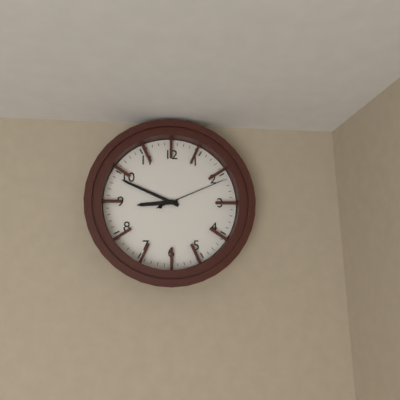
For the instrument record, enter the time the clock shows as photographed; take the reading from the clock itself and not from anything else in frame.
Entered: 8:49:11
